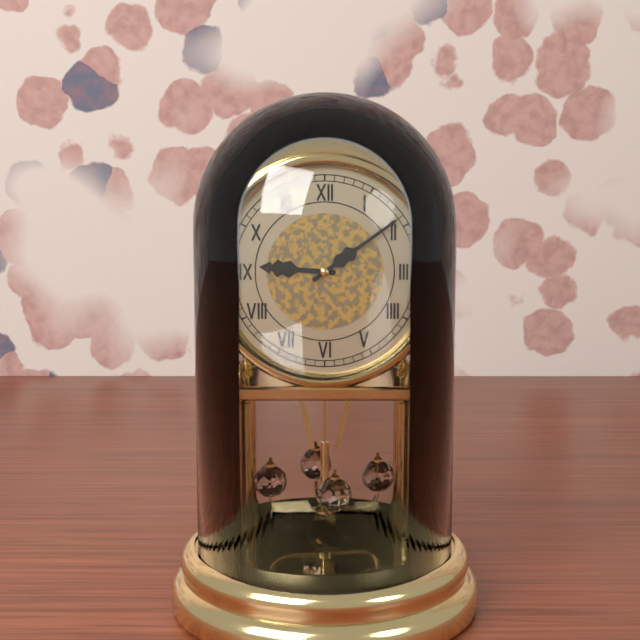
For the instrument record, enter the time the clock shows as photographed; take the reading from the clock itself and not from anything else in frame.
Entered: 9:09
